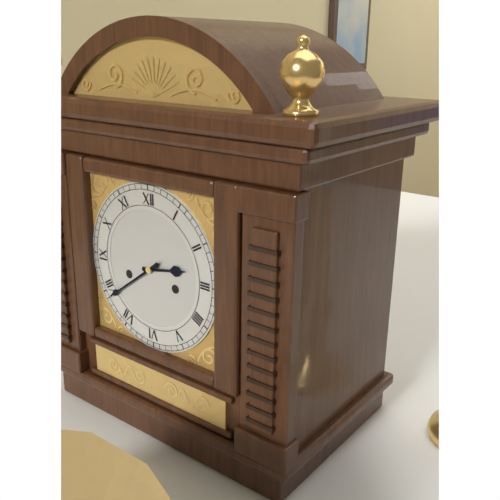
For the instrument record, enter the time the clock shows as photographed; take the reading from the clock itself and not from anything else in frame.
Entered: 2:39
